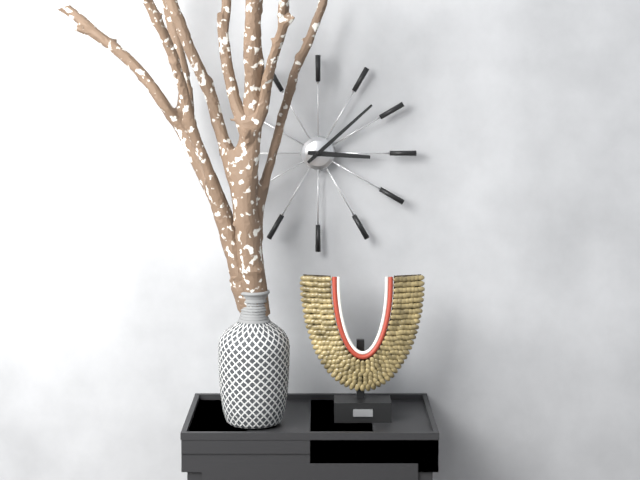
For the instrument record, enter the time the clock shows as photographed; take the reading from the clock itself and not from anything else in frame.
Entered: 3:08
